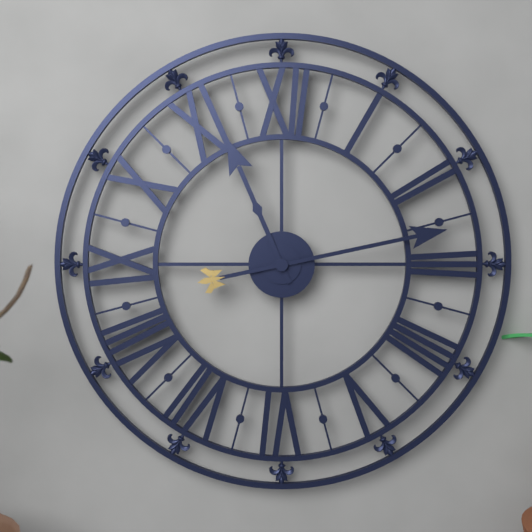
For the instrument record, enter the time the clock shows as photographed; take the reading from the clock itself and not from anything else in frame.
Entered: 11:13
